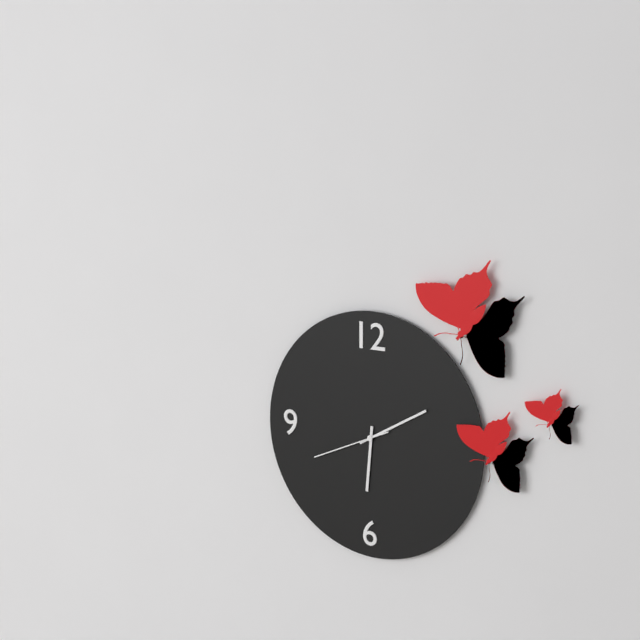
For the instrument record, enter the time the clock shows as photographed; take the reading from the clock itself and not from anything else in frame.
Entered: 6:10:41
